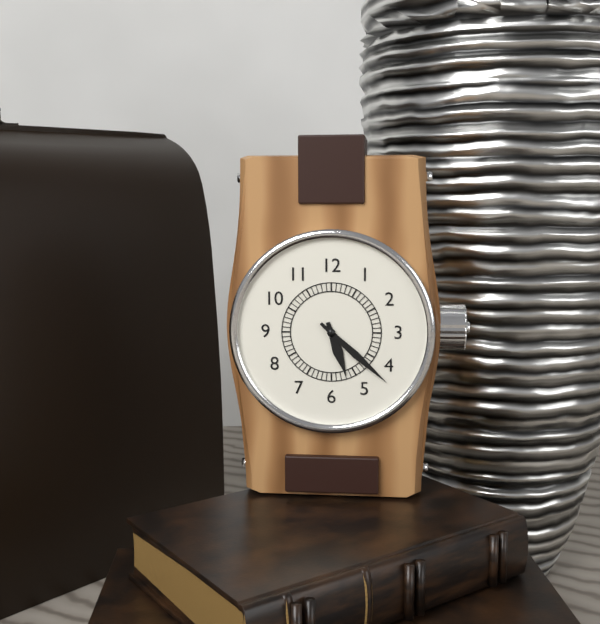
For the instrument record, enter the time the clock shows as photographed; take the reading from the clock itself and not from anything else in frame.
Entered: 5:22
